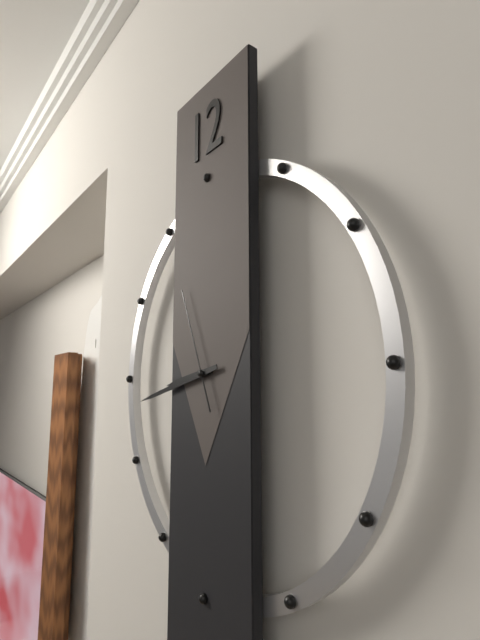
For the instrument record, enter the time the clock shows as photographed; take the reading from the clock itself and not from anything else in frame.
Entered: 8:43:56
